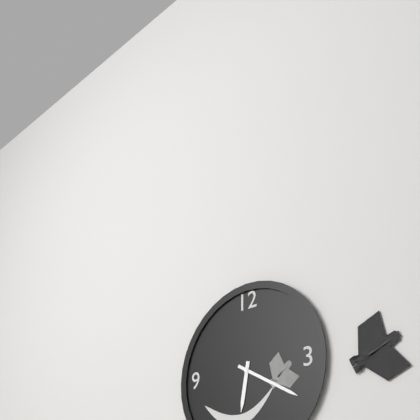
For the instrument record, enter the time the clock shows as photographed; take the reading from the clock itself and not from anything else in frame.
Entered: 6:20
